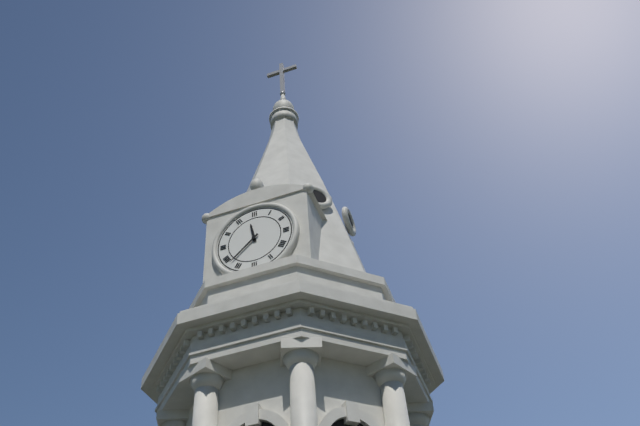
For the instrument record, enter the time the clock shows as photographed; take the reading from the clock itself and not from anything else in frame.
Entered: 11:38
